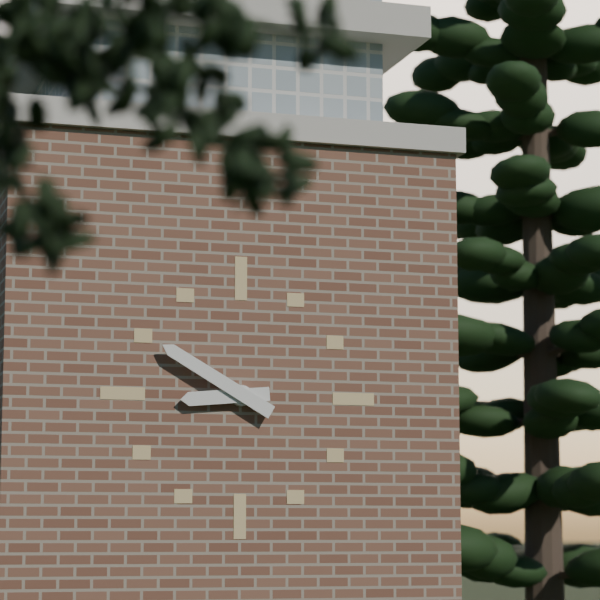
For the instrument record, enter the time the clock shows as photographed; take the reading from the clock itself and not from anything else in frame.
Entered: 8:50
